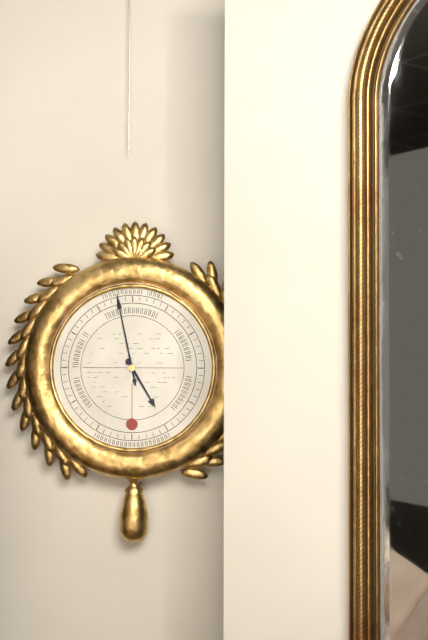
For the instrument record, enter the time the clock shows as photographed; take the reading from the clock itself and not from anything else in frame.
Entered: 4:58
